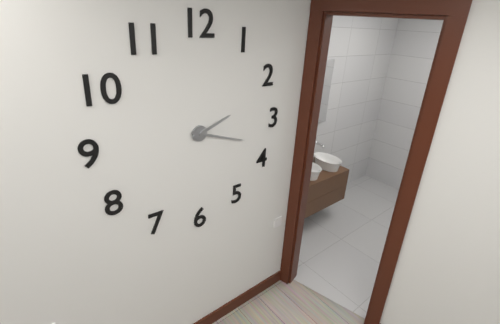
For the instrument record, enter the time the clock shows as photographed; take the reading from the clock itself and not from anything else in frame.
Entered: 2:18
